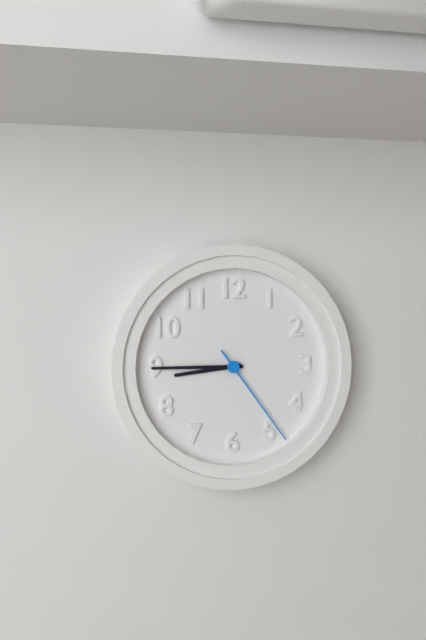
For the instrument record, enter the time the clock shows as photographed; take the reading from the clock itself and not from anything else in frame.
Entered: 8:45:24
